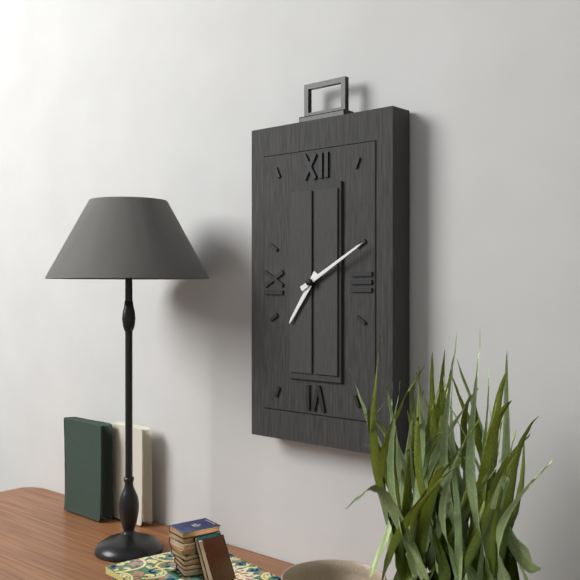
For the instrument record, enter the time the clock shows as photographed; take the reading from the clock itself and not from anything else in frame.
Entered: 7:10
